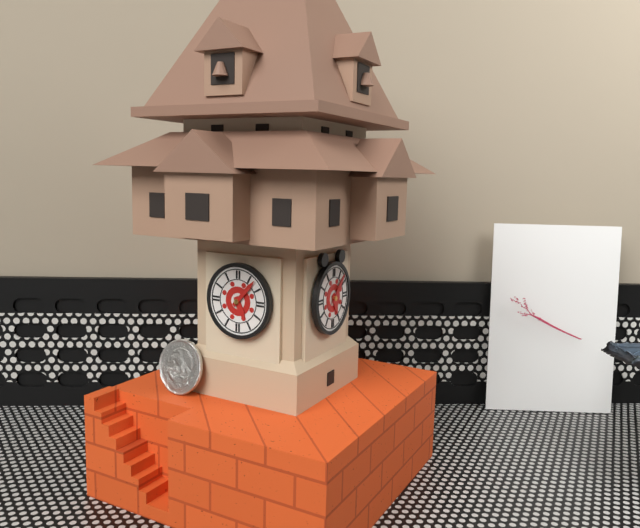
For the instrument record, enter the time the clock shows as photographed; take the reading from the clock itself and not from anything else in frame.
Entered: 5:07
